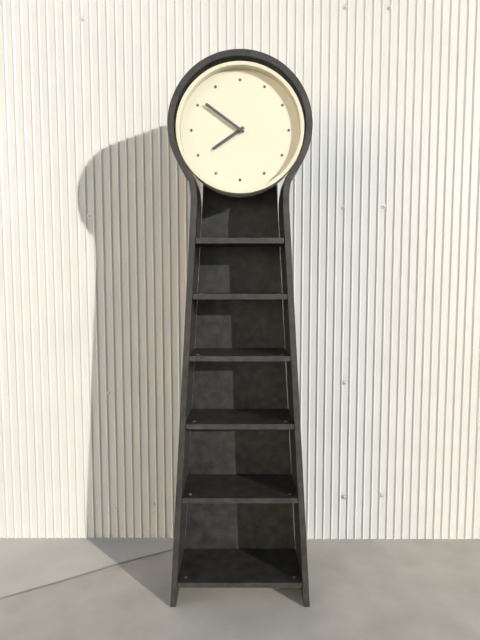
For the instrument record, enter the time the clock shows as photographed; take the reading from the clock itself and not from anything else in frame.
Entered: 7:51
